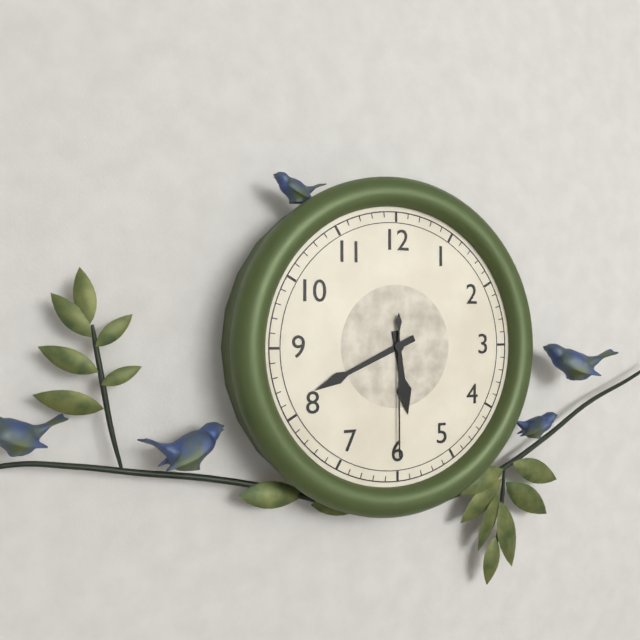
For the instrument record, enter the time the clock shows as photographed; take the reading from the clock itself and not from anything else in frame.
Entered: 5:41:30
